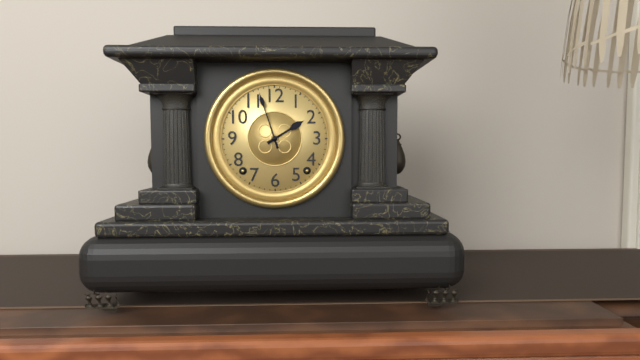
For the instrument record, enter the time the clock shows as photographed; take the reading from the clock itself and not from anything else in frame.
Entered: 1:57
